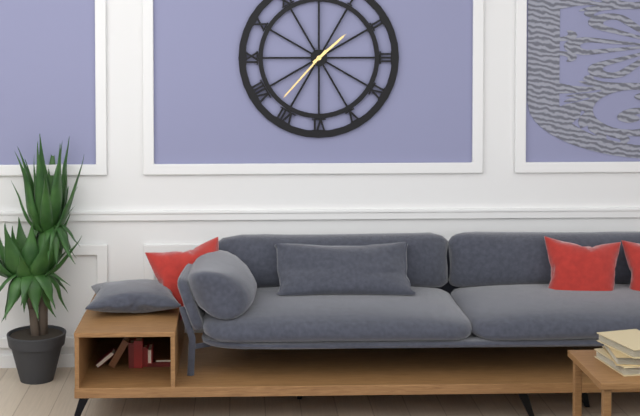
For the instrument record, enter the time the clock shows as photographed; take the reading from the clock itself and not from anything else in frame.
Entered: 1:37
